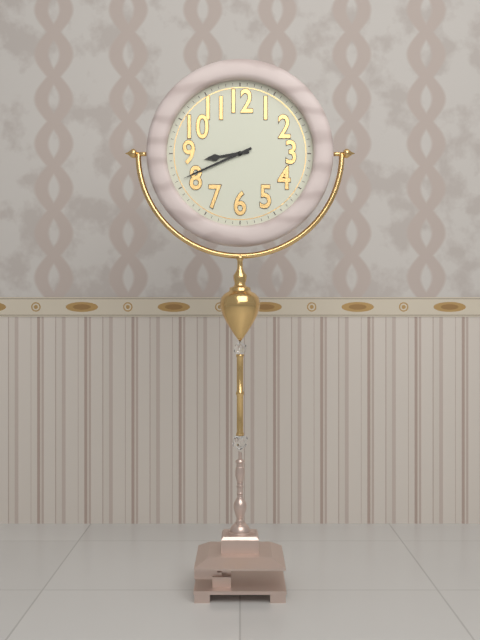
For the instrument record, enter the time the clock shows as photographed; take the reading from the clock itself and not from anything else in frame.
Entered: 8:41
